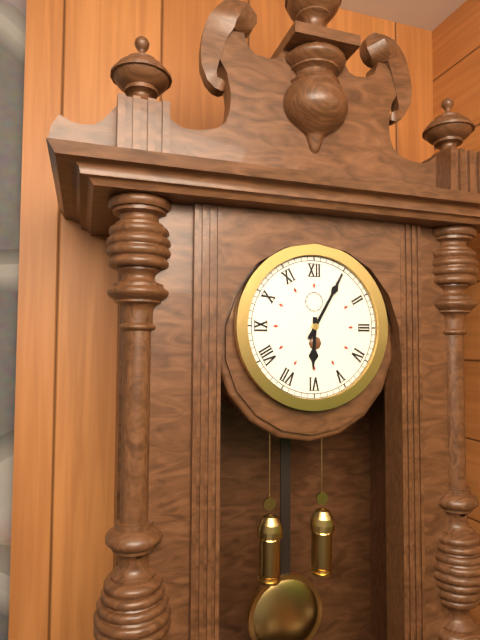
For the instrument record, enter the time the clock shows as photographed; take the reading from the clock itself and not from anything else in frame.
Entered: 6:05
